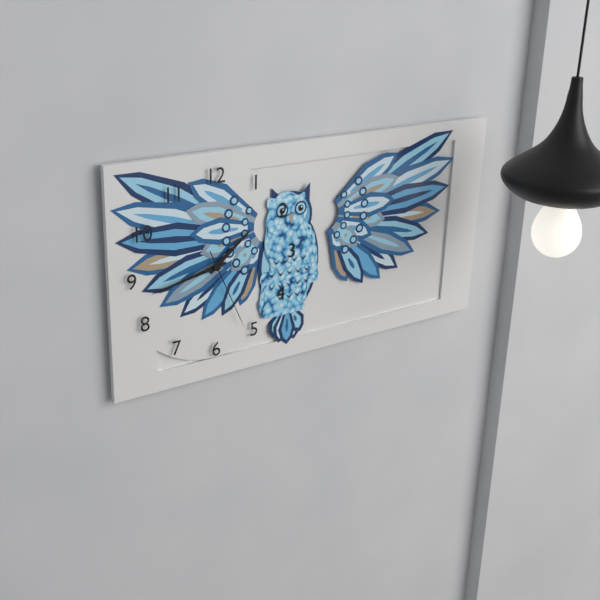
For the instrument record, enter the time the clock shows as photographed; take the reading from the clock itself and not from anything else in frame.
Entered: 1:43:26
